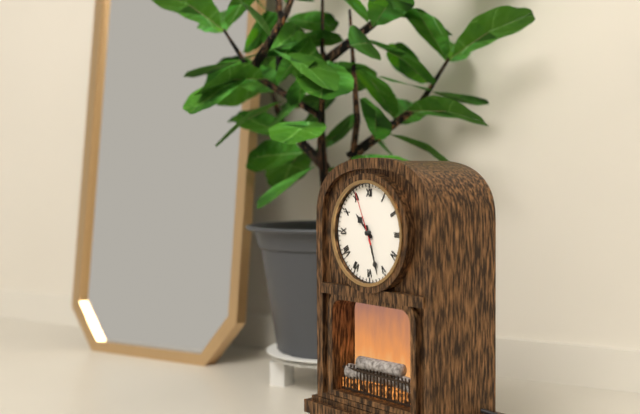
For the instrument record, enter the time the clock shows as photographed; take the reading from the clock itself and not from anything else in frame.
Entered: 10:27:56
